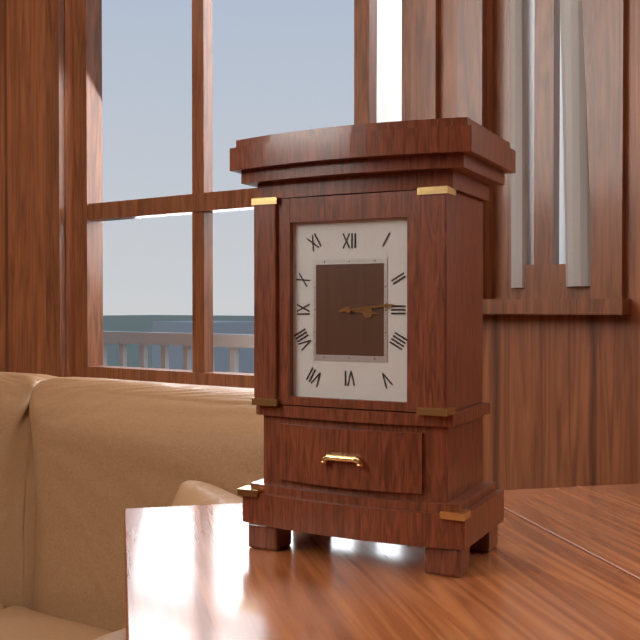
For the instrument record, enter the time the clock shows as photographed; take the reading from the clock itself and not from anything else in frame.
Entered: 3:14
